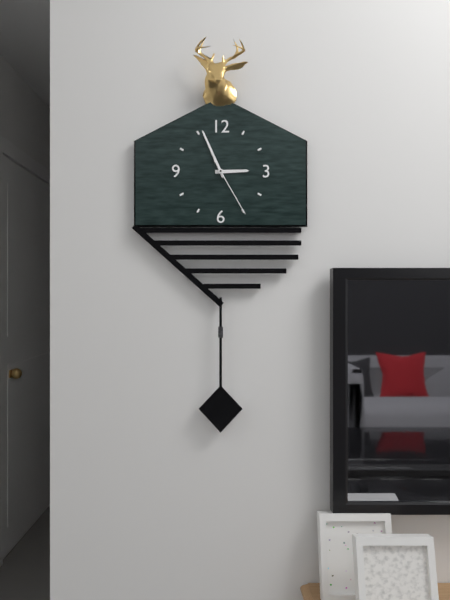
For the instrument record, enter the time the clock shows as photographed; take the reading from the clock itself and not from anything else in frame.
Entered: 2:56:25
